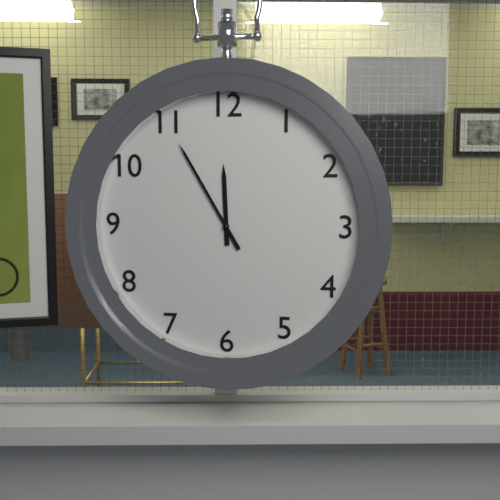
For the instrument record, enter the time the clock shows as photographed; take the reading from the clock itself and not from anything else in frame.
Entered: 11:55
